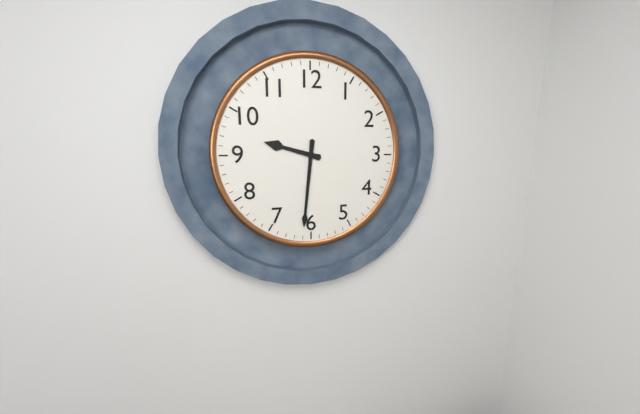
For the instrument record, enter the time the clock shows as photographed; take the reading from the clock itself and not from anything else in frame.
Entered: 9:31
